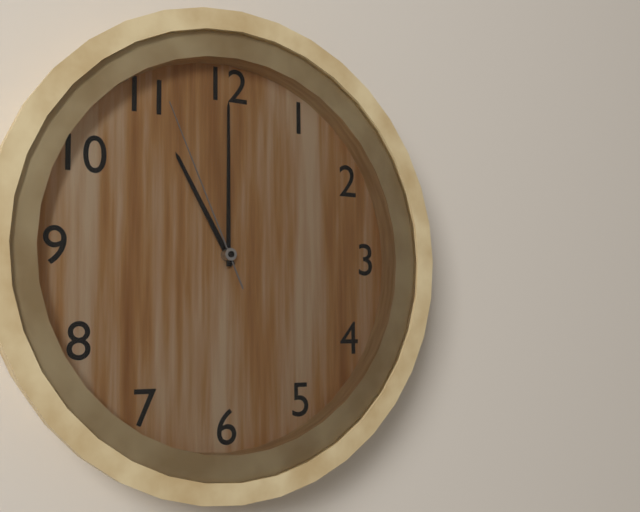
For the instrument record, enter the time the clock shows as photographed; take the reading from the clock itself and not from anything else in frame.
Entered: 11:00:56
